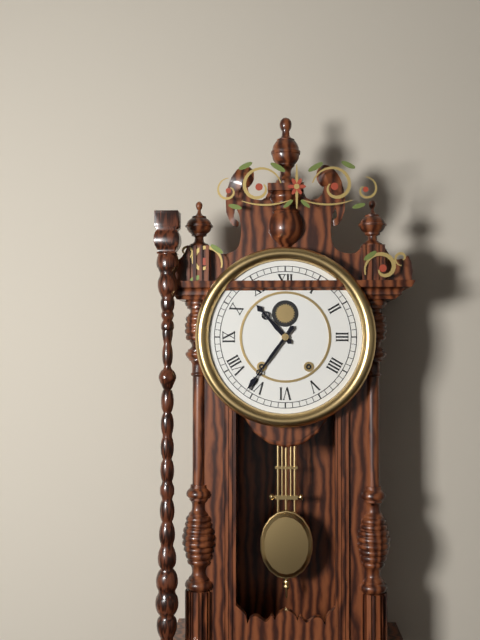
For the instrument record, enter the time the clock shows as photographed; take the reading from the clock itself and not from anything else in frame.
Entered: 10:36
